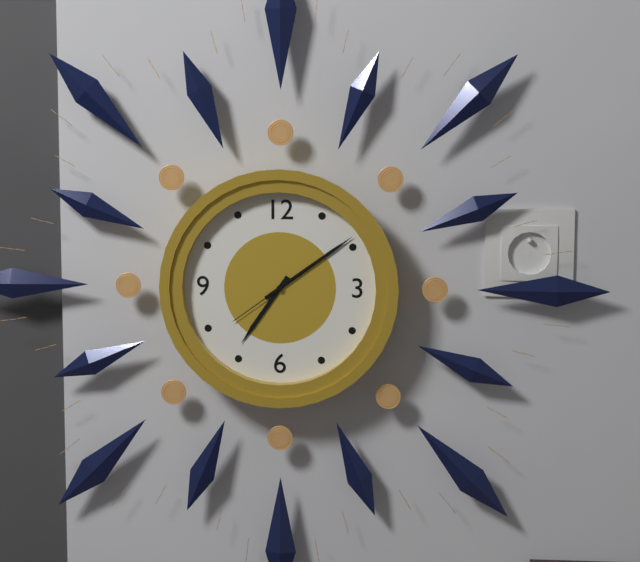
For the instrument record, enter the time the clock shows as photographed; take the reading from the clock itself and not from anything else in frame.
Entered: 7:09:39
